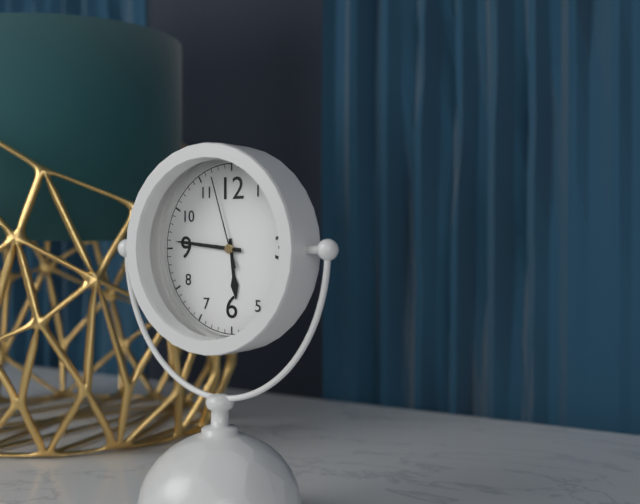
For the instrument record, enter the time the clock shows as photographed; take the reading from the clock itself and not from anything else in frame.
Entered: 5:46:57
